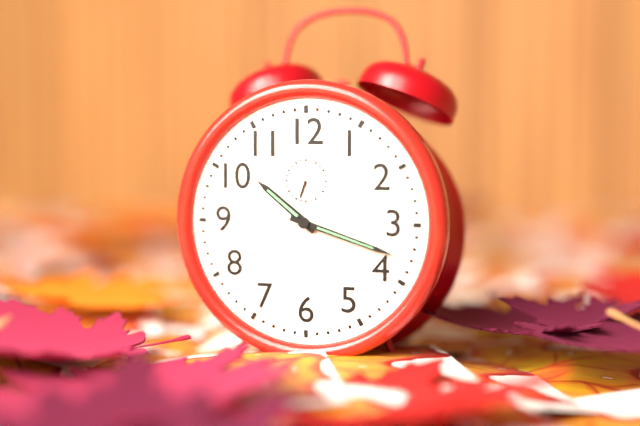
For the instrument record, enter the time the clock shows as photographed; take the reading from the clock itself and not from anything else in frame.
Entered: 10:18
